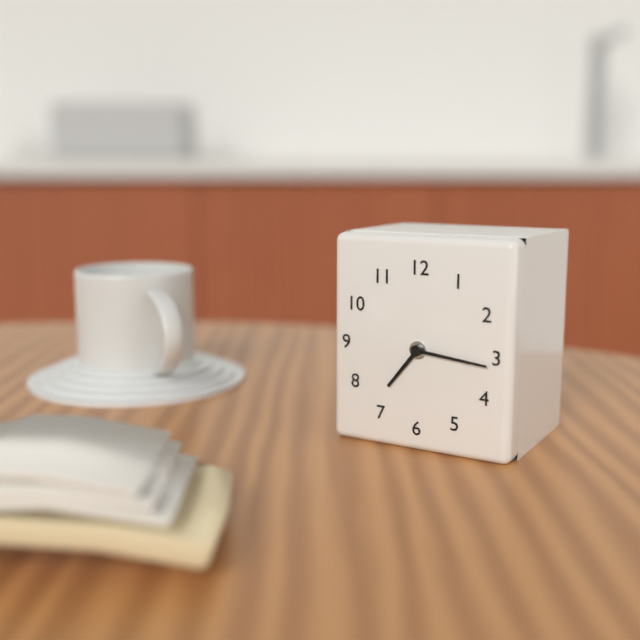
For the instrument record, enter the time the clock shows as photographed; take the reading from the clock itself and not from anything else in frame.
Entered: 7:16
